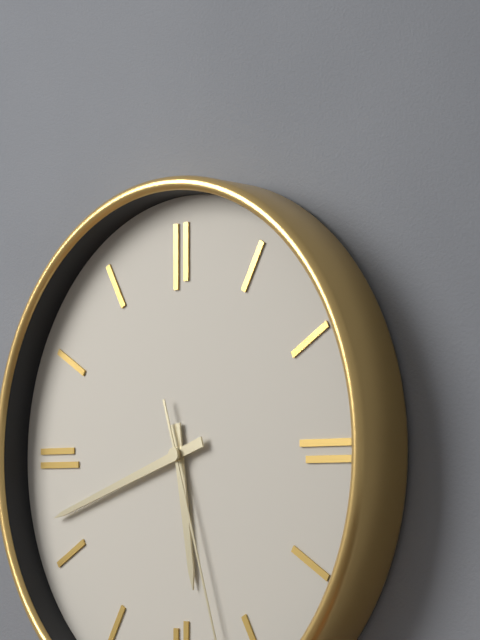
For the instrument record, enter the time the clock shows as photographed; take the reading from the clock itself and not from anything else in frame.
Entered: 5:42
